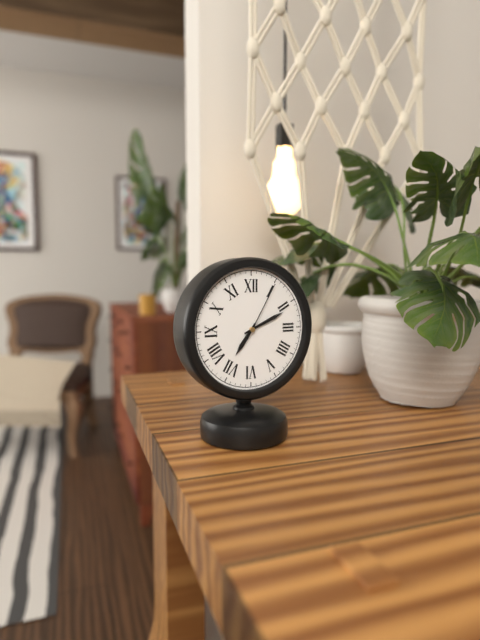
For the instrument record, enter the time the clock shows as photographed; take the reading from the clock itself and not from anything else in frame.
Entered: 7:11:05
